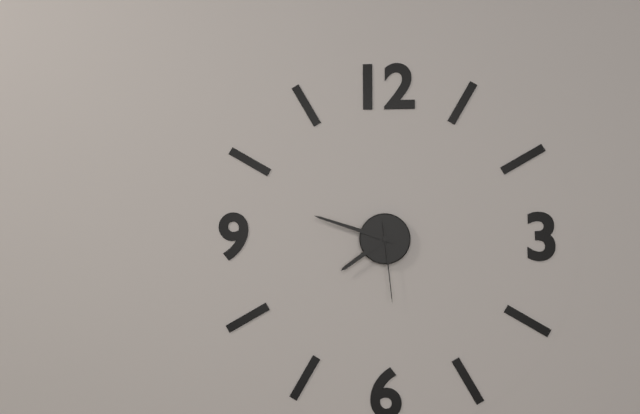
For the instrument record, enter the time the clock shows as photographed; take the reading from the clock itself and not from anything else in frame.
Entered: 7:48:29
